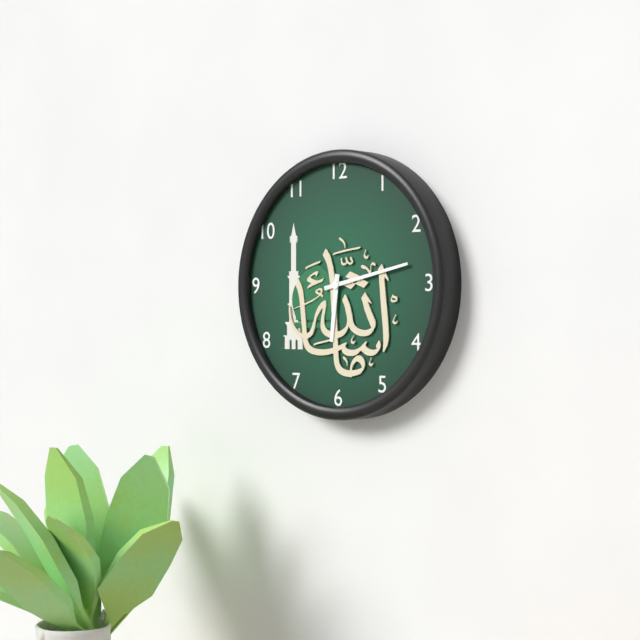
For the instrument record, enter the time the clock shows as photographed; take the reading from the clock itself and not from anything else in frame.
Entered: 6:13
